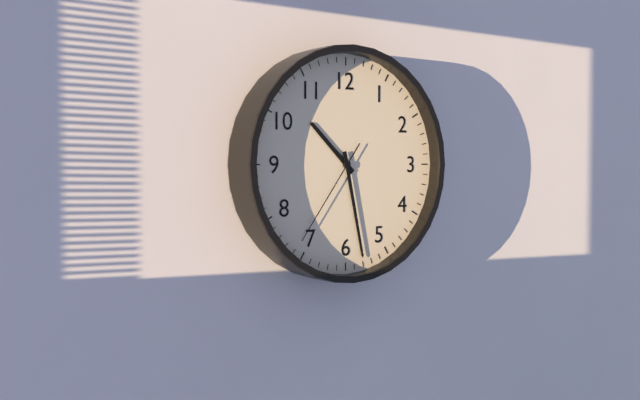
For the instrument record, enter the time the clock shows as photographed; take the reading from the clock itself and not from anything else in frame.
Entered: 10:28:36
